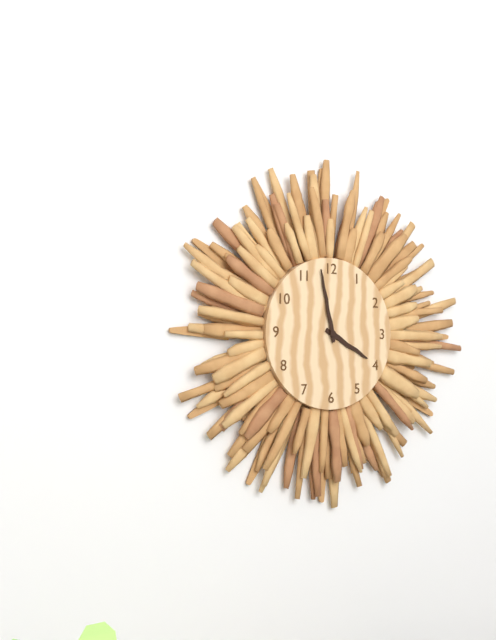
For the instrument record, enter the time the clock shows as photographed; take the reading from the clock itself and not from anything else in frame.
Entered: 3:58
